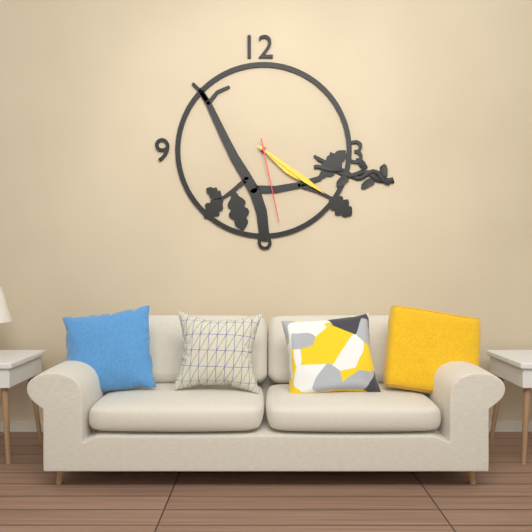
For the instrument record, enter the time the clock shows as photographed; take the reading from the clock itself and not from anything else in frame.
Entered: 4:21:28
